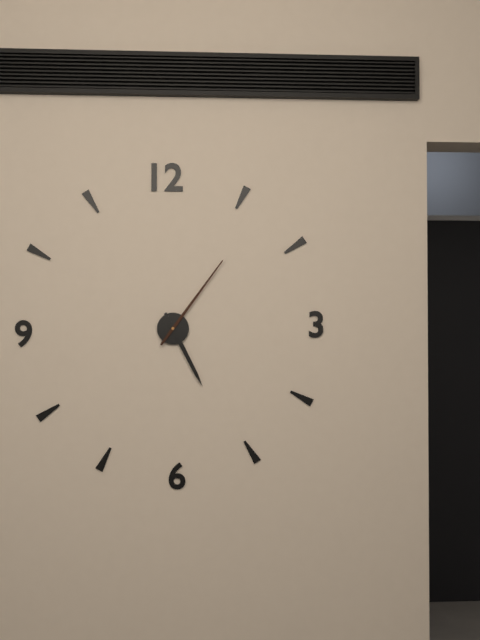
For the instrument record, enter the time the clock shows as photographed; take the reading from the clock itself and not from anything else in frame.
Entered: 5:06
